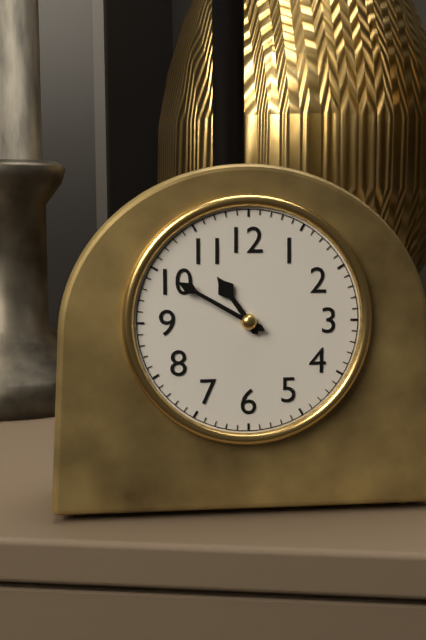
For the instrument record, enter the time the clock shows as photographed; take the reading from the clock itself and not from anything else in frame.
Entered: 10:50
